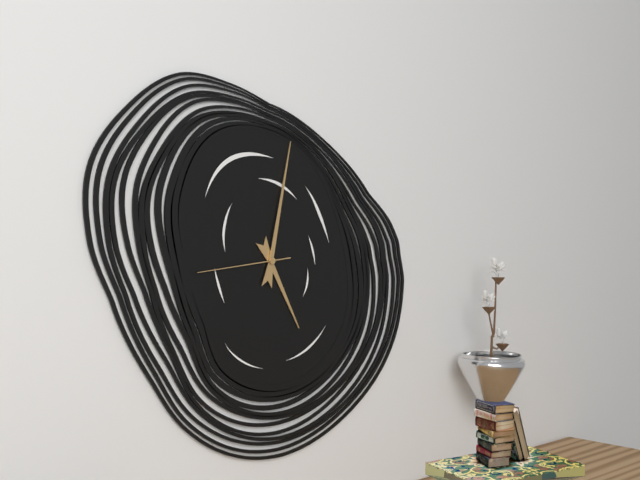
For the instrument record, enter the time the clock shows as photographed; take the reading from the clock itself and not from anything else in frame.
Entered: 5:02:44
